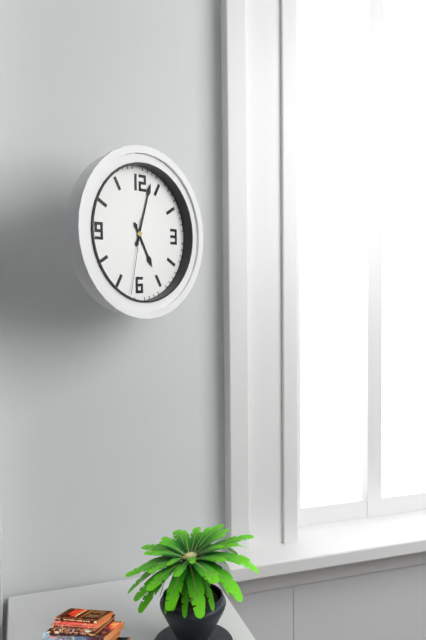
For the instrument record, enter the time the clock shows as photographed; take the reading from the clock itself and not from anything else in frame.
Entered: 5:03:32
